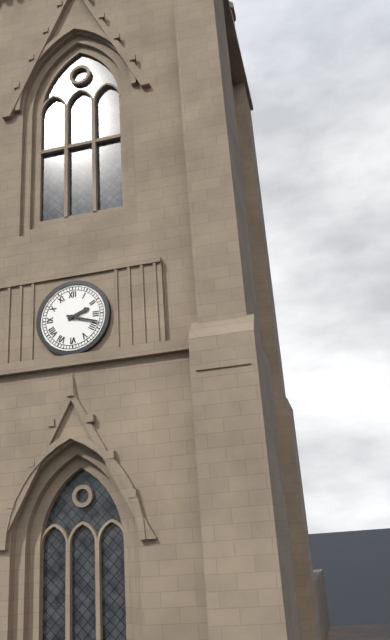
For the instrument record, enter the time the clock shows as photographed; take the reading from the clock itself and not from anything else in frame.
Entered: 2:18
